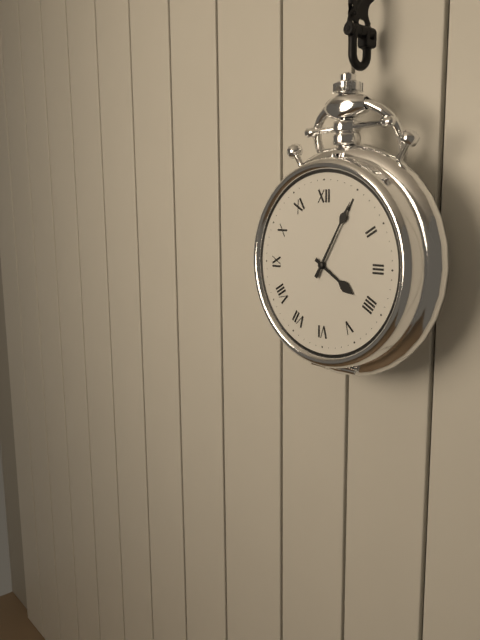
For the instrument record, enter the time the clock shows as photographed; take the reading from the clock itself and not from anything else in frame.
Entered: 4:05
